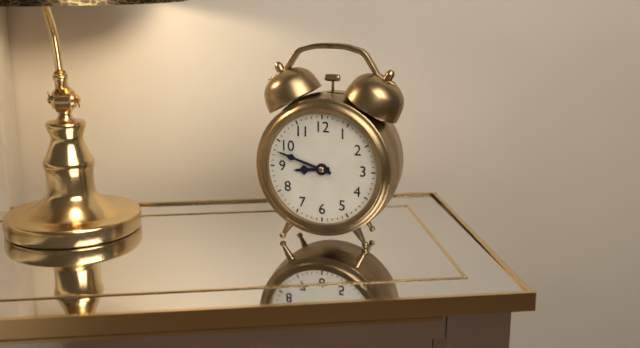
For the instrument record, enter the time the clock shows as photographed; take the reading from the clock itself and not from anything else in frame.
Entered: 8:48
